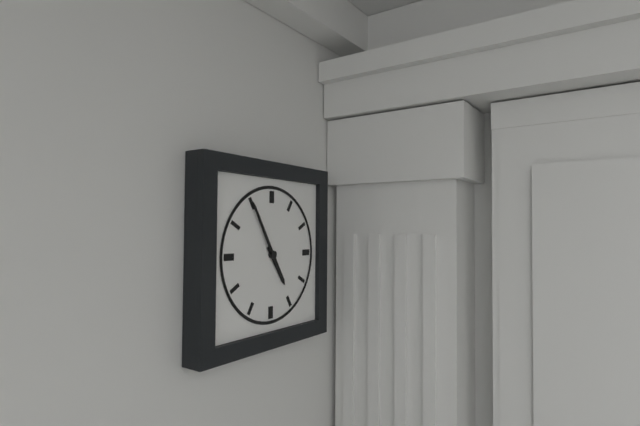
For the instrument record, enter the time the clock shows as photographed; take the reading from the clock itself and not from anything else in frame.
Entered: 4:55
